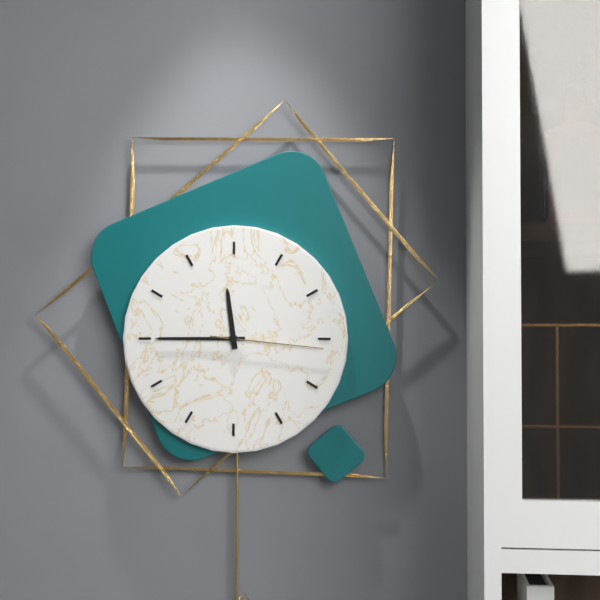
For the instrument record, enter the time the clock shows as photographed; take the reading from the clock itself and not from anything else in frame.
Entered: 11:45:16
